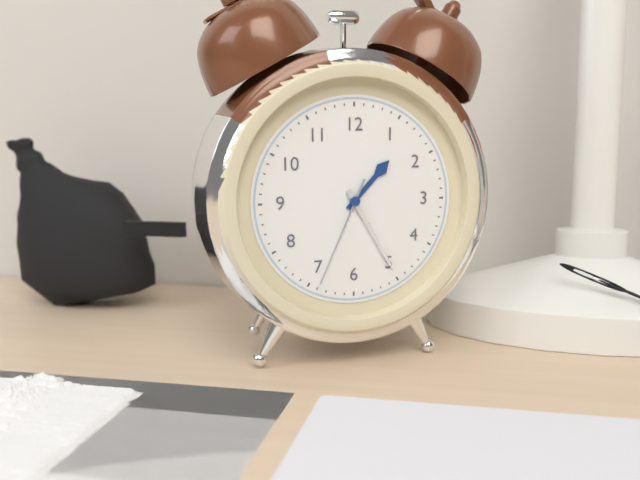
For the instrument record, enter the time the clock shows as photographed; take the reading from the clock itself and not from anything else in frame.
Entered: 1:25:34
